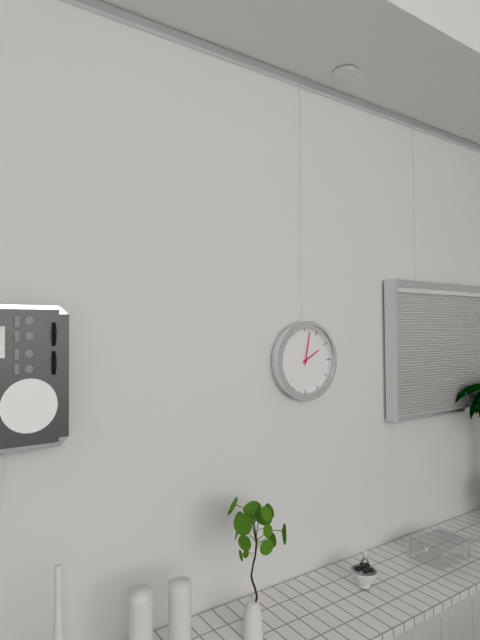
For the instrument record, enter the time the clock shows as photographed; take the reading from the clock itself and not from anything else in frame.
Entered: 2:02
